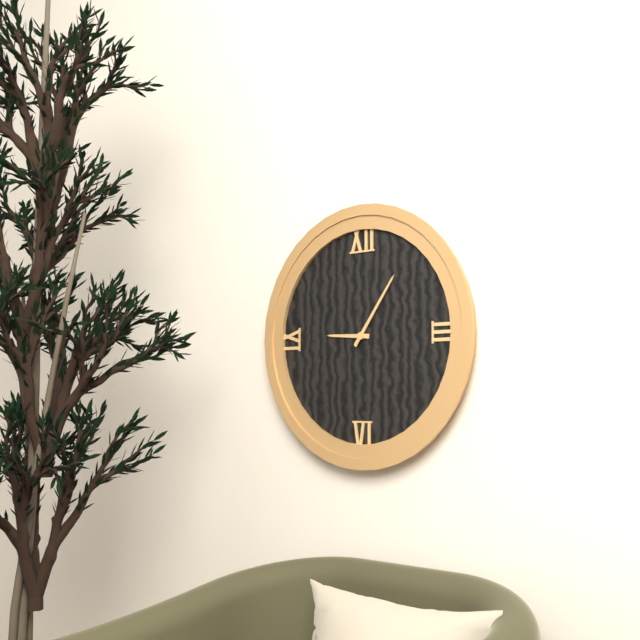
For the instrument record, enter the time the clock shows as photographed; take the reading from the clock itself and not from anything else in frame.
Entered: 9:06
